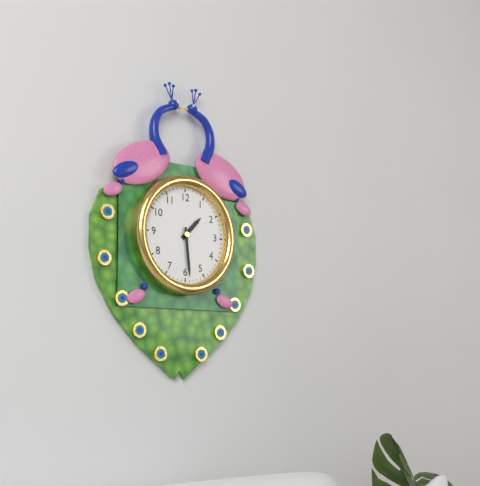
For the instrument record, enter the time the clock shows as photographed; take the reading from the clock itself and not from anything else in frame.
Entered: 1:29
